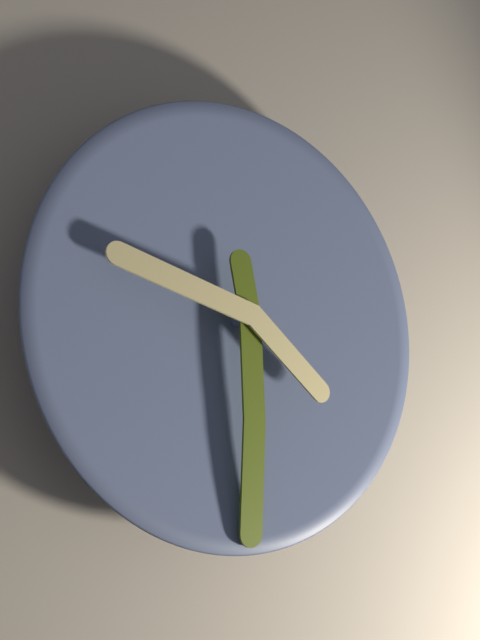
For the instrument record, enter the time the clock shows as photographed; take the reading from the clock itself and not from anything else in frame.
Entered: 9:30
